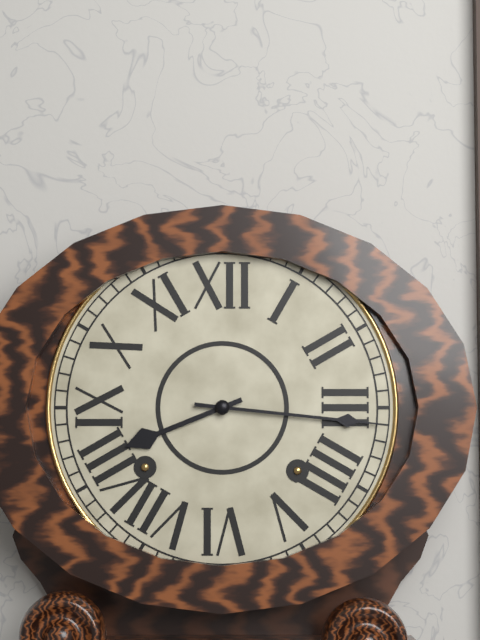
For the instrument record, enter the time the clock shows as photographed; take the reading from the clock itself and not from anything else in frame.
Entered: 8:16
